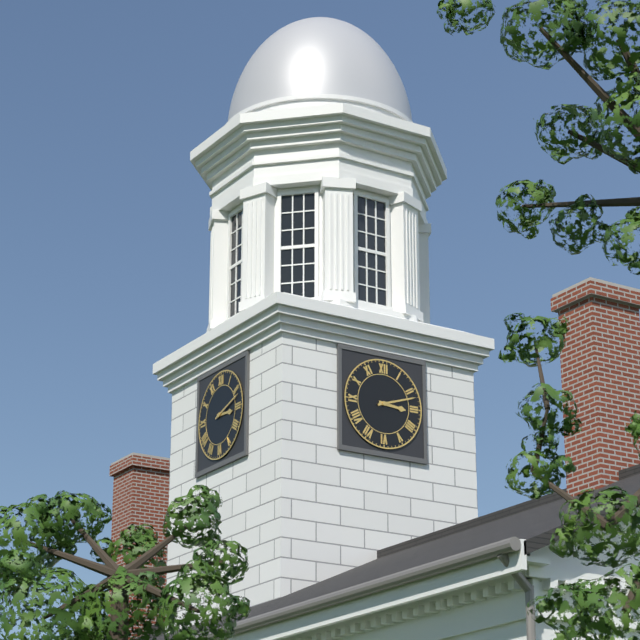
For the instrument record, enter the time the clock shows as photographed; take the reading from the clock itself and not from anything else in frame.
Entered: 3:12
